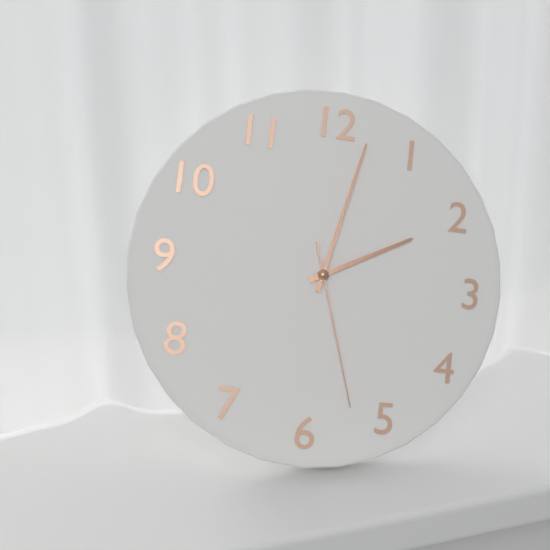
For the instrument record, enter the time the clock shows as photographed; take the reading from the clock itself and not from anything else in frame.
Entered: 2:02:27
